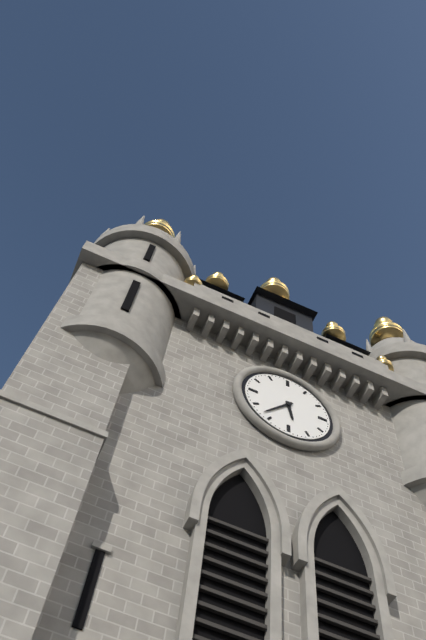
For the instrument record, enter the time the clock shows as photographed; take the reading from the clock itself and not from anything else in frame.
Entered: 5:37
